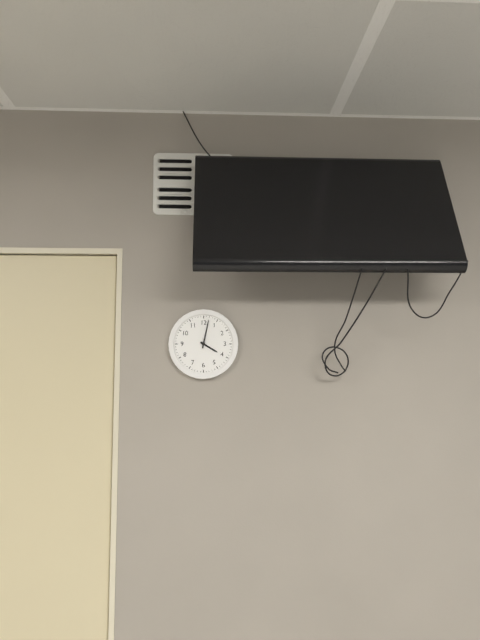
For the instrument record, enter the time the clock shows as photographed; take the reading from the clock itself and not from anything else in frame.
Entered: 4:02
